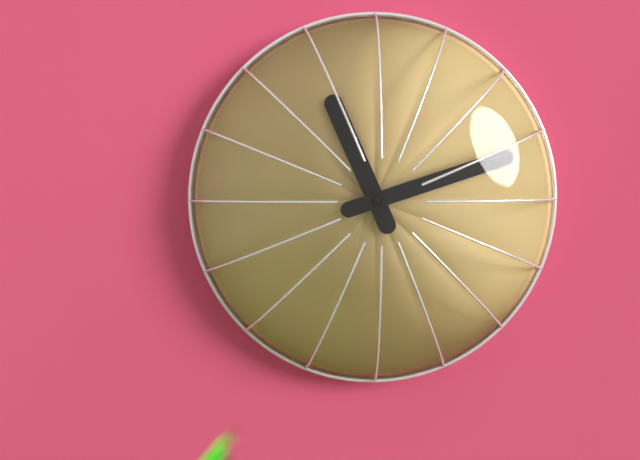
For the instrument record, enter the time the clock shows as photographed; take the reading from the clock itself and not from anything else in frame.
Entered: 11:12
